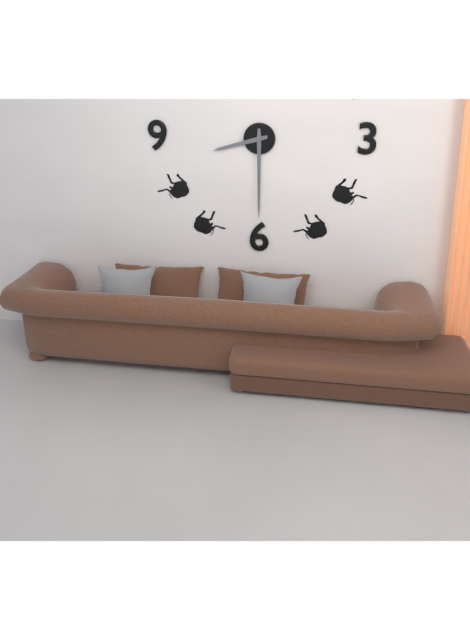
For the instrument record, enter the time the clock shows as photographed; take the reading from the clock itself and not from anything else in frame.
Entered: 8:30
